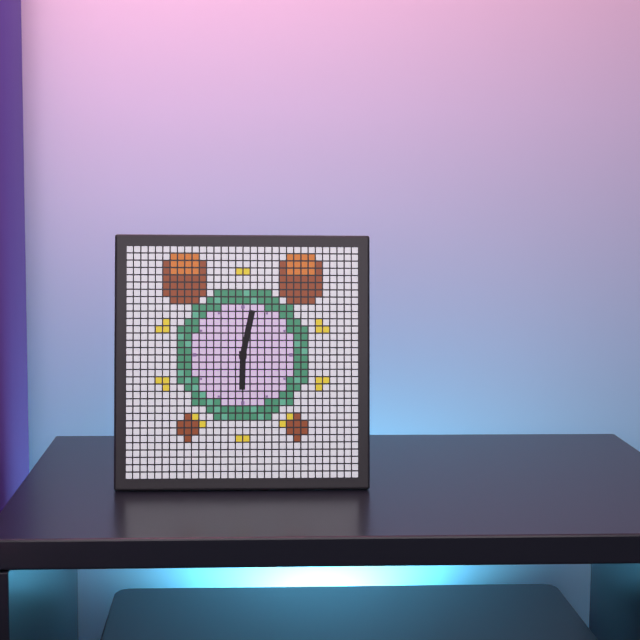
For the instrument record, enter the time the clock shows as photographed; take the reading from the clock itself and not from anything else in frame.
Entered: 6:02
